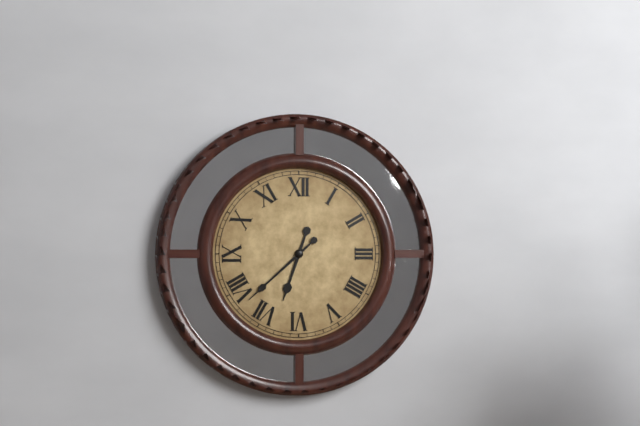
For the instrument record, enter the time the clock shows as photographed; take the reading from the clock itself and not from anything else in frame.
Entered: 6:38
